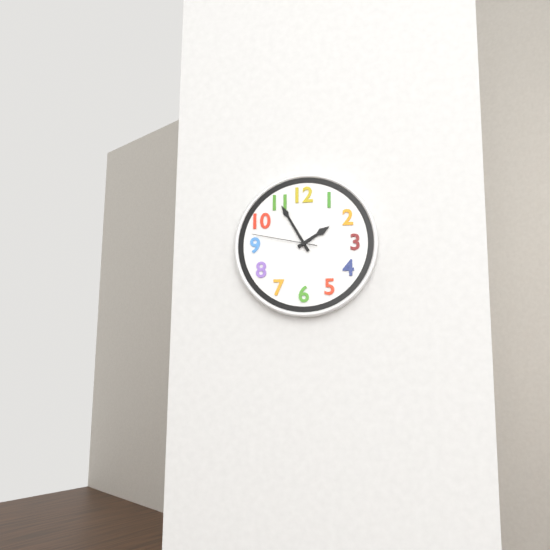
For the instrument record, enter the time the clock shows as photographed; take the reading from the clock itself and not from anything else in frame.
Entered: 1:55:47
